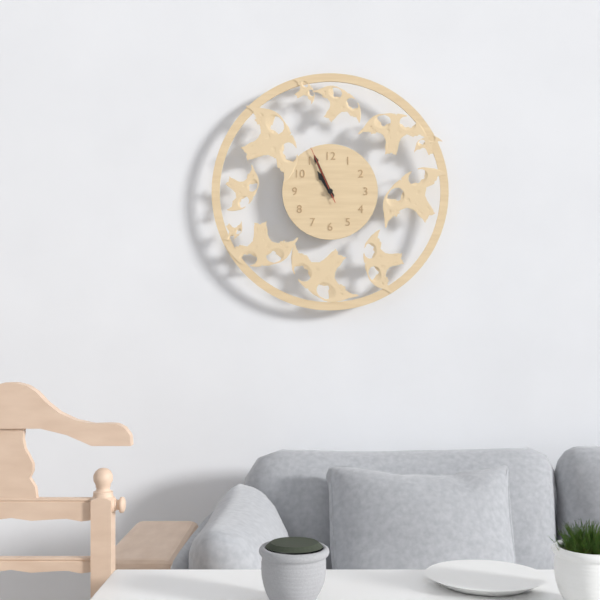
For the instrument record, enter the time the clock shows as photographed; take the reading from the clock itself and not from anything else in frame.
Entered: 10:56:56
